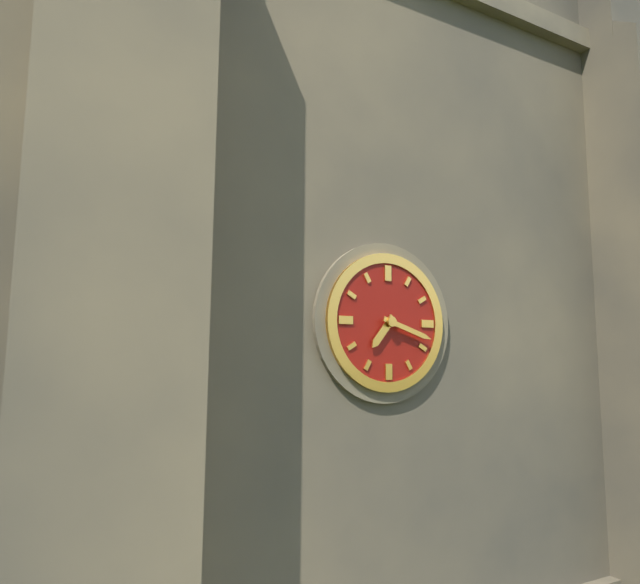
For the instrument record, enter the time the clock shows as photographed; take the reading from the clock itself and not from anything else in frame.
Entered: 7:18
